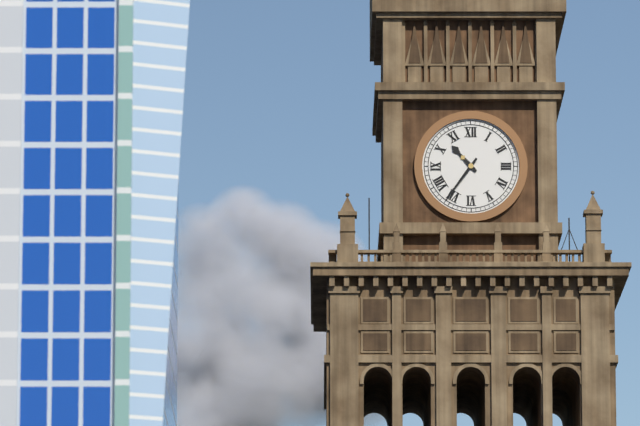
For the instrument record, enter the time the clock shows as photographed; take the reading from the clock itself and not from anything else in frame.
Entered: 10:36
